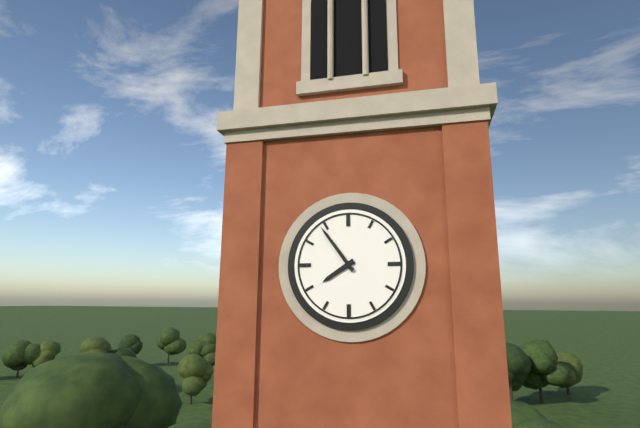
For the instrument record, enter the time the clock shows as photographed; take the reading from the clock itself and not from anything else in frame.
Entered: 7:54
